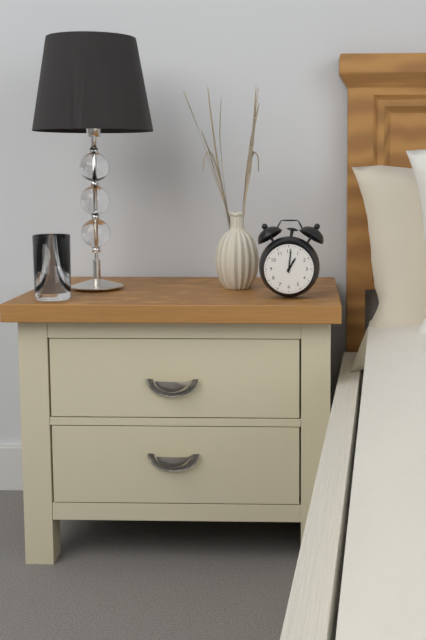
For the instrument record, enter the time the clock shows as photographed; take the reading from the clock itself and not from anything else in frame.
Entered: 1:01
